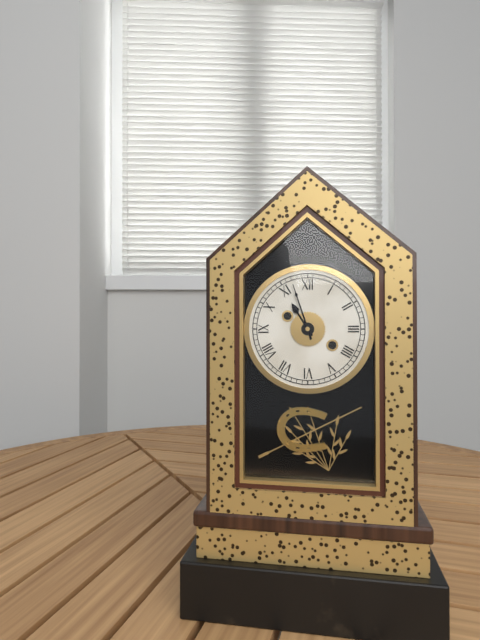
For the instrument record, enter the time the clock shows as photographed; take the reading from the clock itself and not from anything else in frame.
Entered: 10:57
